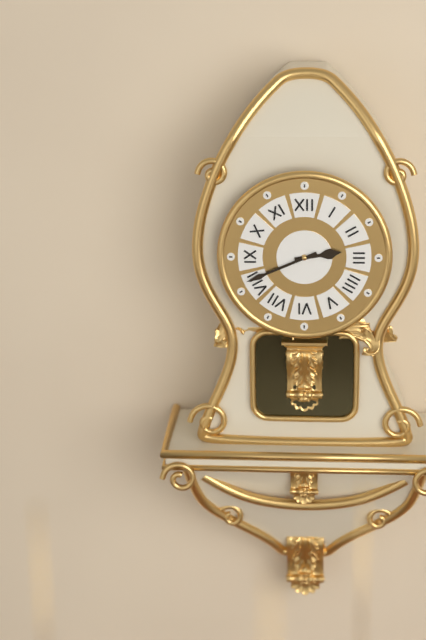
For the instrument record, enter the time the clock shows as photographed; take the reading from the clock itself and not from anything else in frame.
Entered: 2:41
